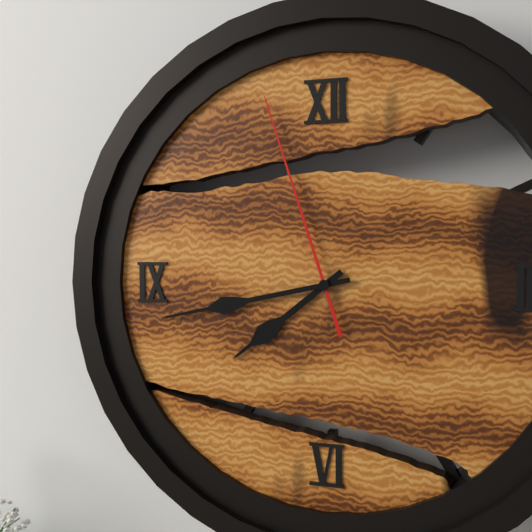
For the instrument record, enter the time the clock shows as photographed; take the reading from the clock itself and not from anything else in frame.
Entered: 7:43:57
